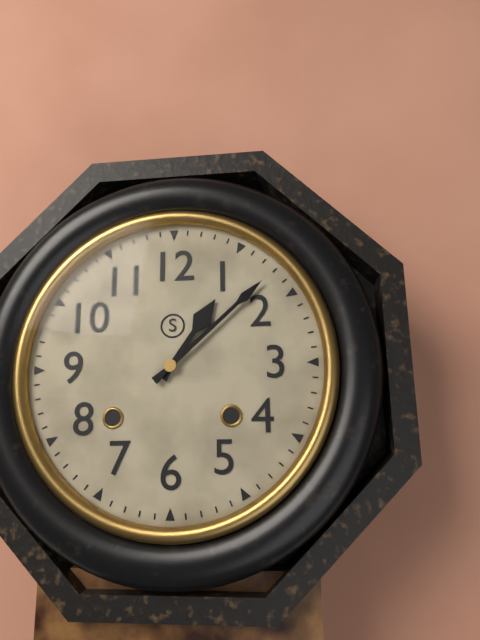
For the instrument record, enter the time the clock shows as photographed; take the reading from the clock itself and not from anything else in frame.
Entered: 1:08
